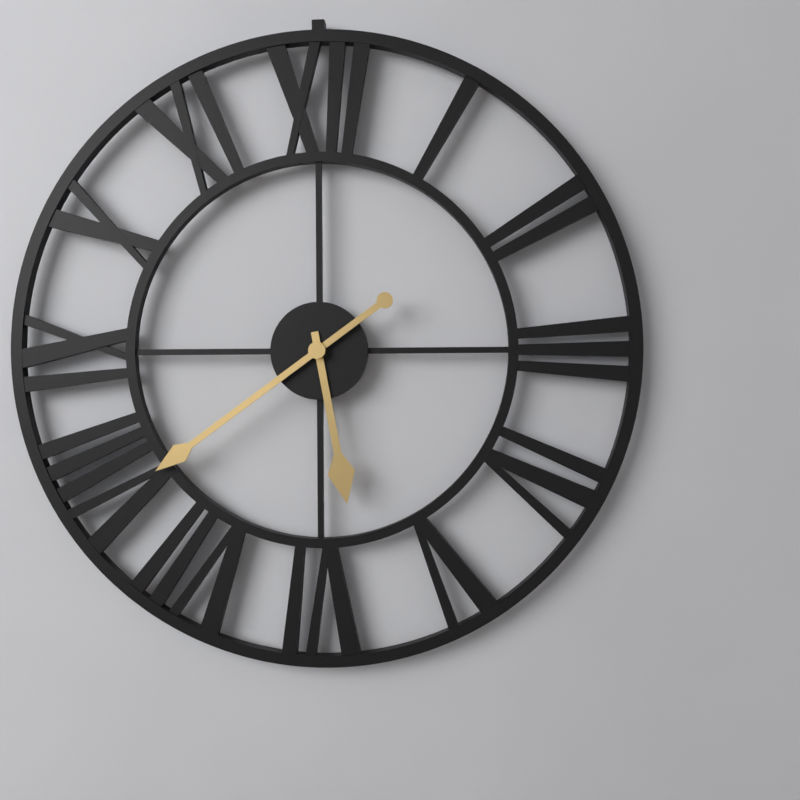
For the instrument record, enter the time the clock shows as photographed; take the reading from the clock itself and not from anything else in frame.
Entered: 5:39
